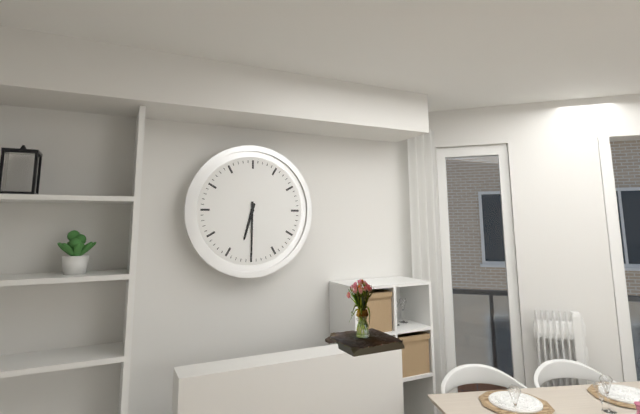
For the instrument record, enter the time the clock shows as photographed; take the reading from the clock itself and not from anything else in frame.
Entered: 6:30
